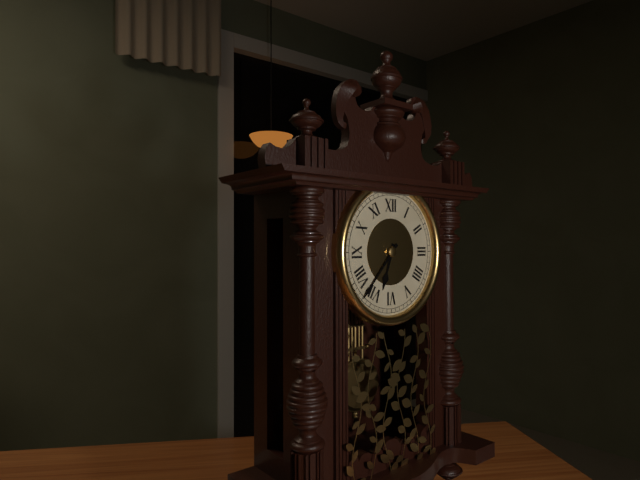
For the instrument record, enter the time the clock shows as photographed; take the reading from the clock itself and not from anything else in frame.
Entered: 6:37
